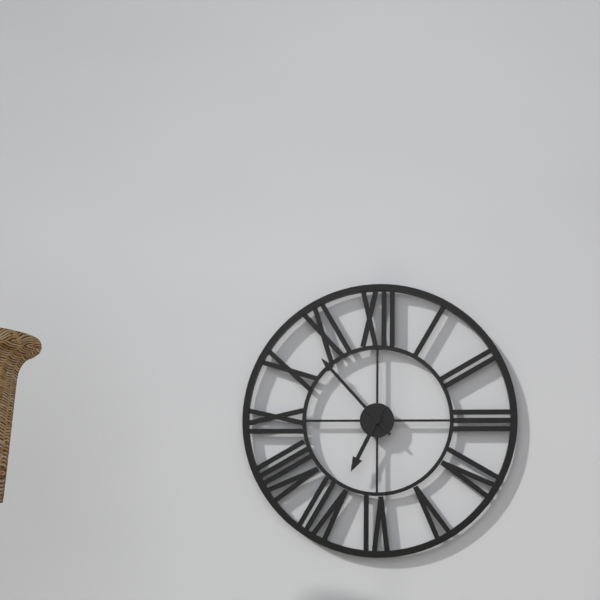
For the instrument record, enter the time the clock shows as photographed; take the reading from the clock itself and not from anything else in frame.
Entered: 6:53
